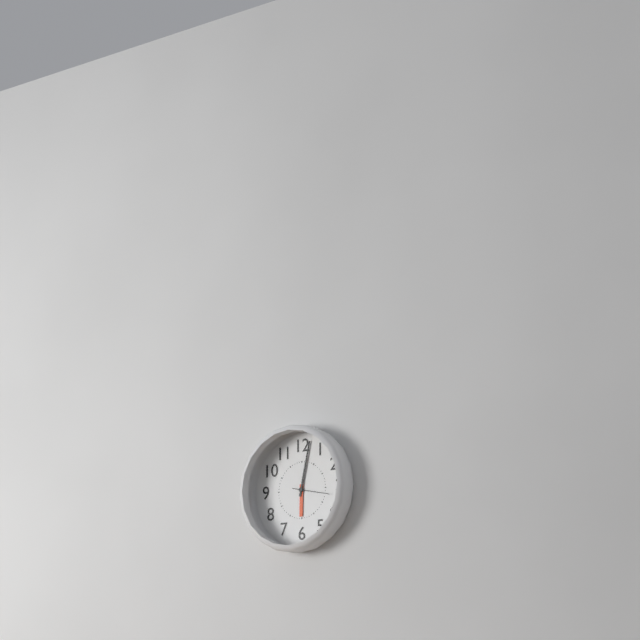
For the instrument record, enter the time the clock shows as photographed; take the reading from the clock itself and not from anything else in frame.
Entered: 6:02
